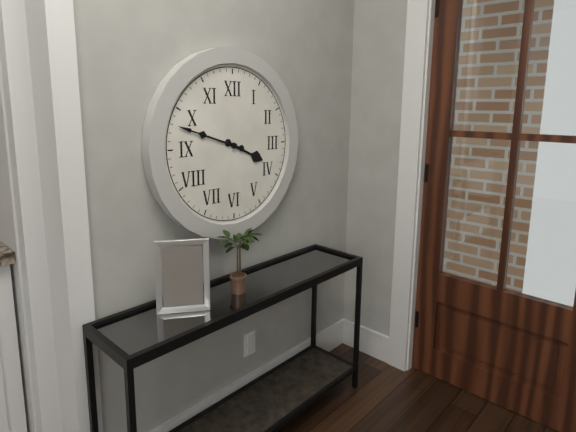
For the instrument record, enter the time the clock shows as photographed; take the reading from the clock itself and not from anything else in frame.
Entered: 3:48
